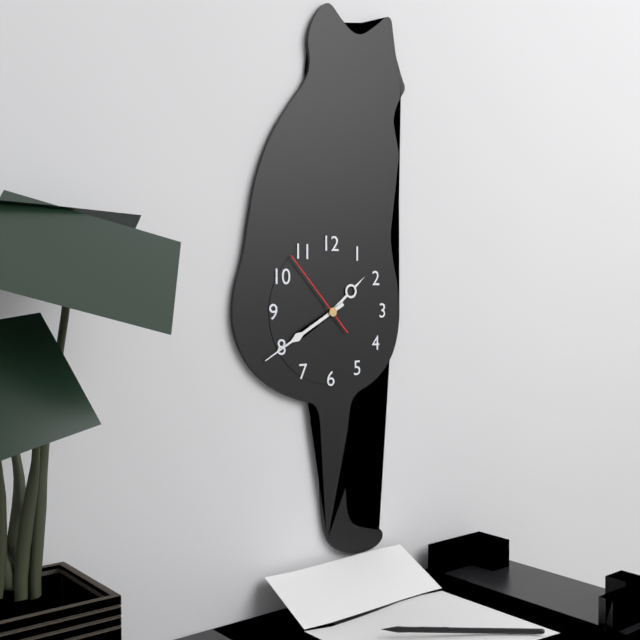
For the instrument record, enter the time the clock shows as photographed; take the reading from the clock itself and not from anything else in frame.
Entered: 1:40:53
